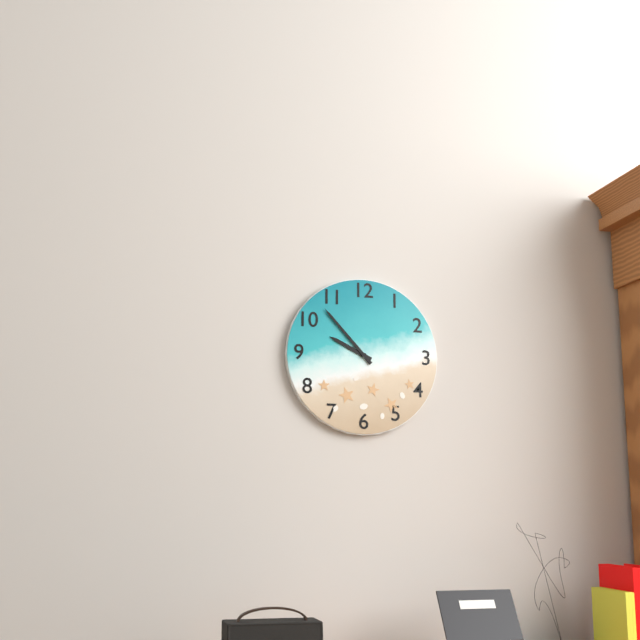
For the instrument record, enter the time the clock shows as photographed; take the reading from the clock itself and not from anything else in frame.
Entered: 9:53
